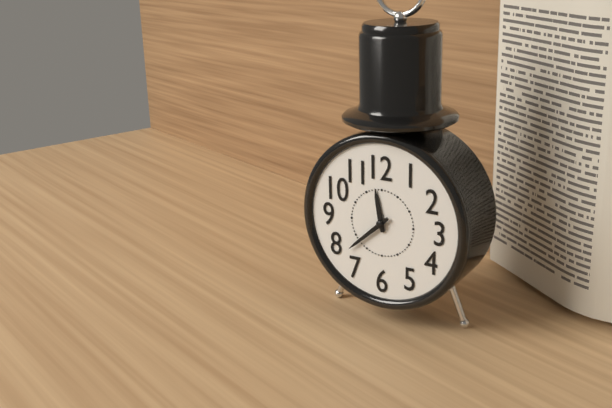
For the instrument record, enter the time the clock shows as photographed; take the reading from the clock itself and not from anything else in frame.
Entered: 11:38
